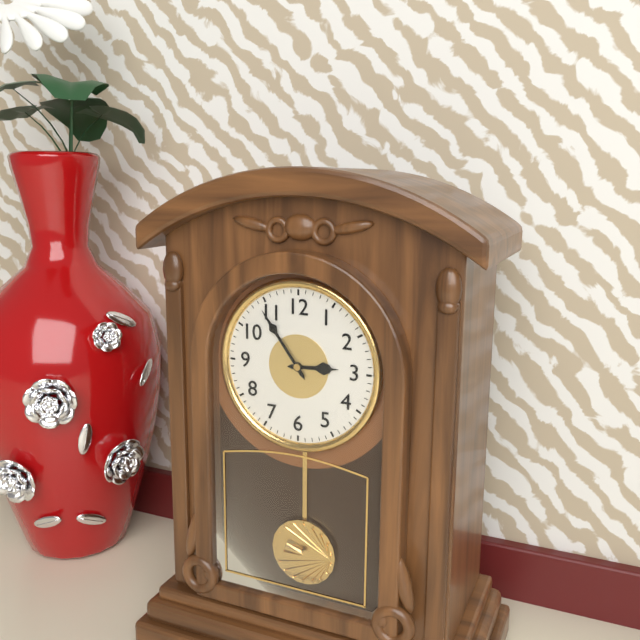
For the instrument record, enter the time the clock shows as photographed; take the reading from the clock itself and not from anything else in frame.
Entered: 2:54
